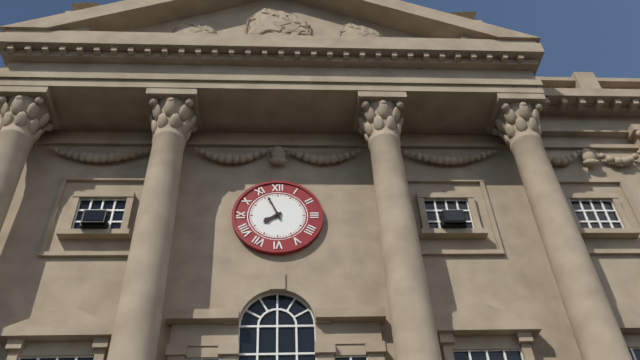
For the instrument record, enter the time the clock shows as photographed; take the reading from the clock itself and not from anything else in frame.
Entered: 7:56
